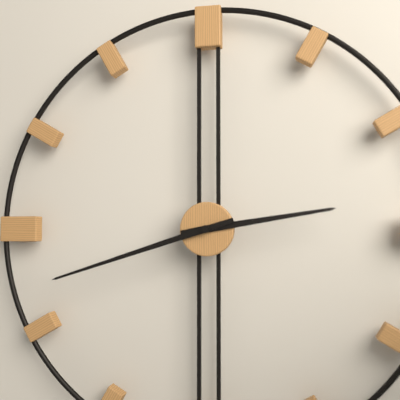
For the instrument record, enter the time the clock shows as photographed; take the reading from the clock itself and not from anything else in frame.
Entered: 2:42
